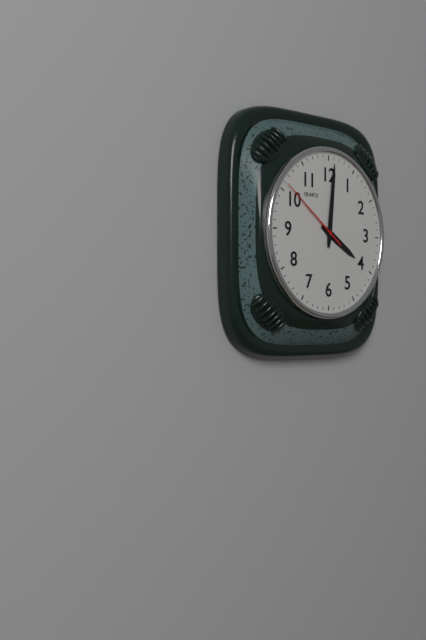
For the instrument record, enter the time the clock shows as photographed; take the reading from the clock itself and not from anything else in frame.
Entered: 4:01:51
